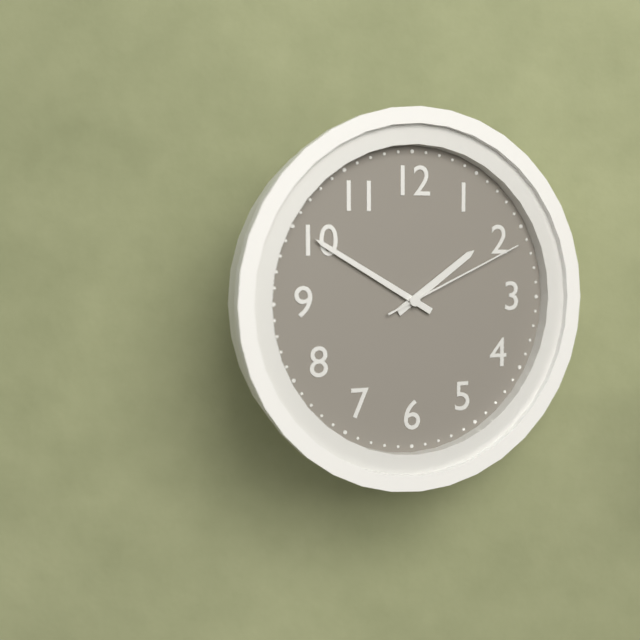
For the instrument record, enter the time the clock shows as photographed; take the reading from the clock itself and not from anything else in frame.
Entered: 1:50:11
